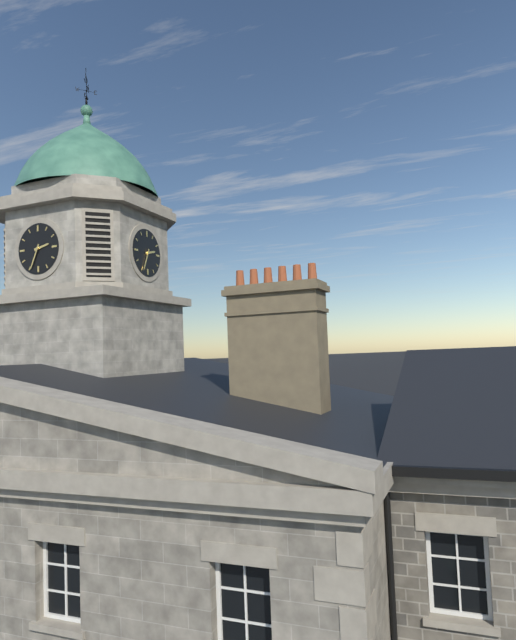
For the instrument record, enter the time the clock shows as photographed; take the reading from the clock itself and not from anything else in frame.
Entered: 2:34
